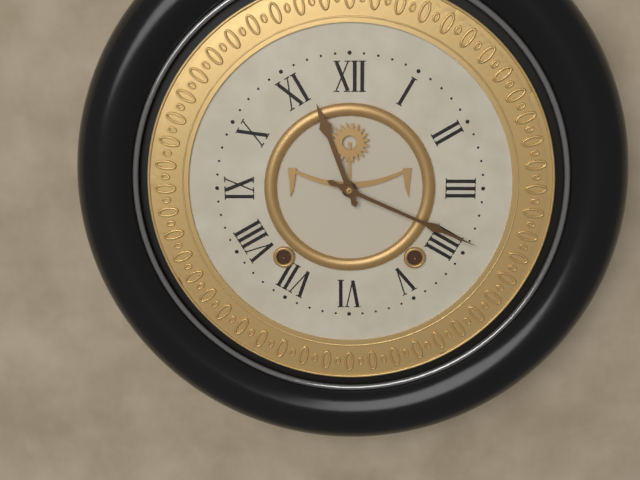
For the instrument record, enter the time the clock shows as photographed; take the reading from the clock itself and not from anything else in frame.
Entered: 11:19
